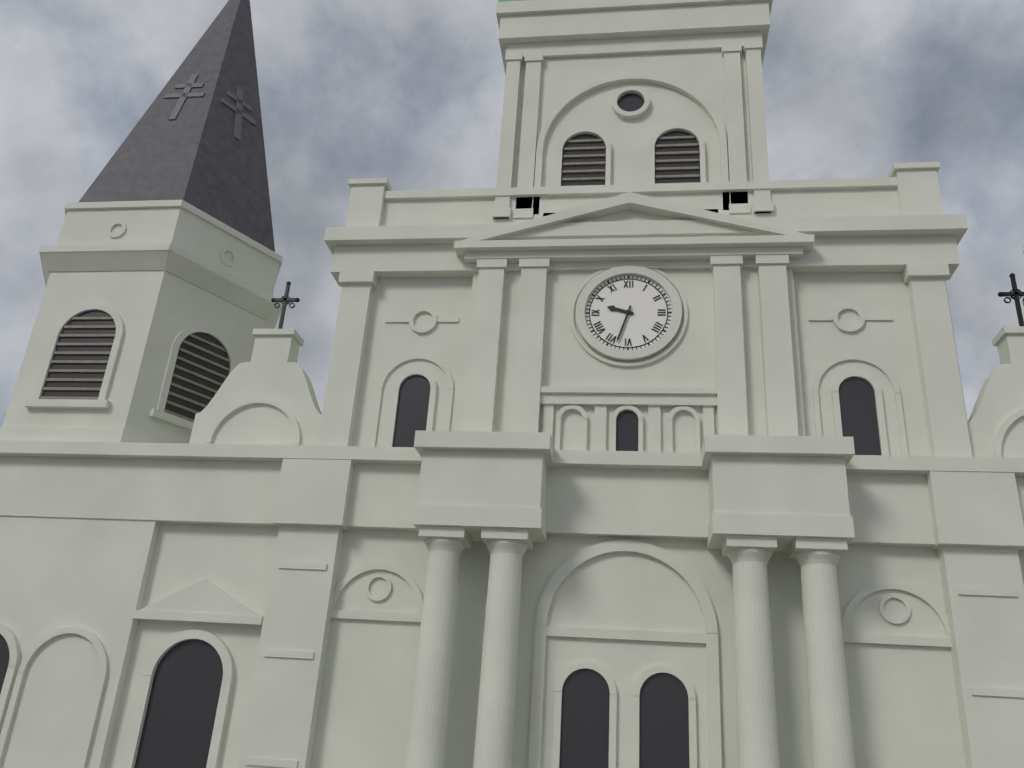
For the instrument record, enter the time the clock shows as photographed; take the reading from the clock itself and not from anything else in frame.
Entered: 9:33
